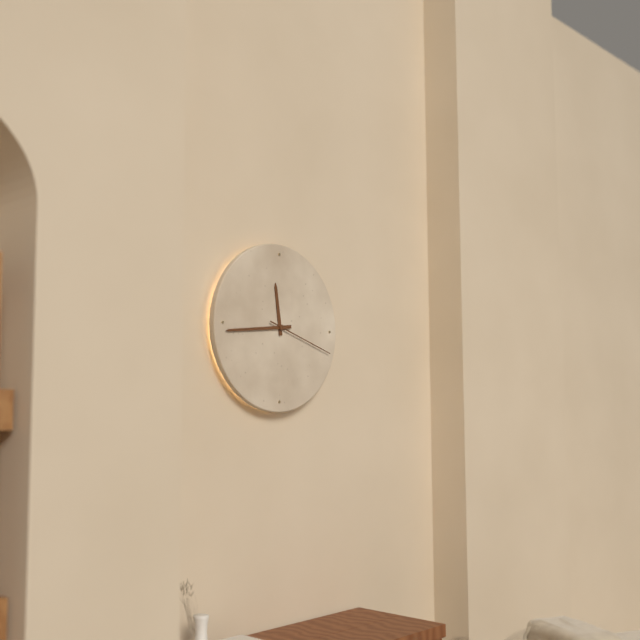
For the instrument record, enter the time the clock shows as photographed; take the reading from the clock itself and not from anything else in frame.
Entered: 11:44:18
